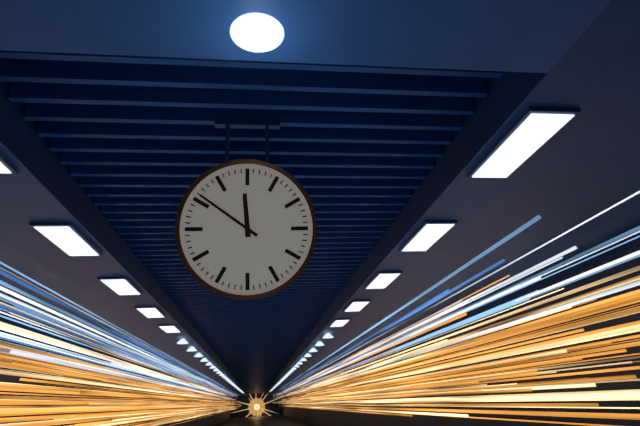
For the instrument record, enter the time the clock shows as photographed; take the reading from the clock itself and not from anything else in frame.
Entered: 11:51
